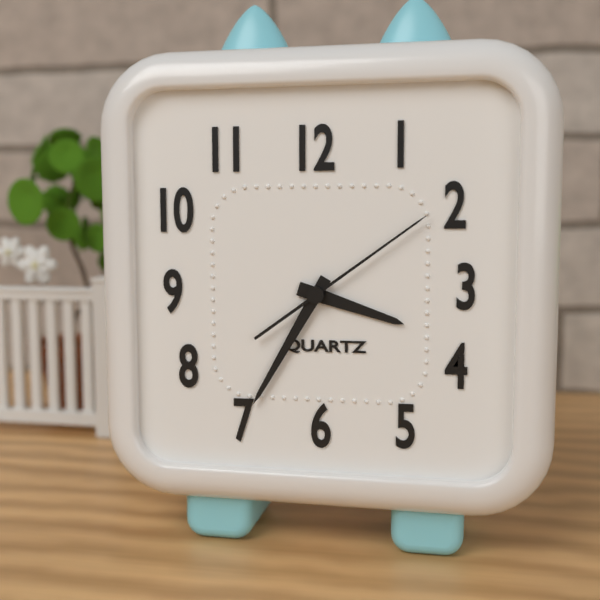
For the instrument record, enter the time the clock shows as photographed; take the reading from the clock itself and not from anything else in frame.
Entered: 3:35:09
